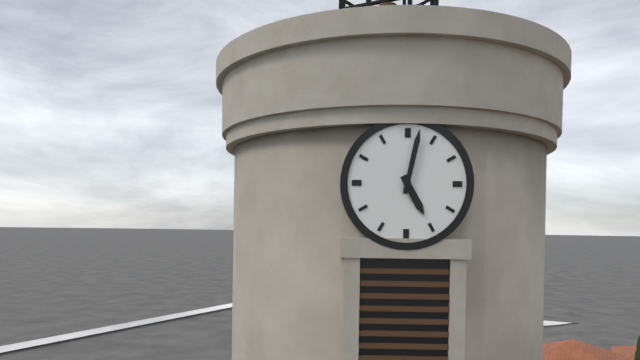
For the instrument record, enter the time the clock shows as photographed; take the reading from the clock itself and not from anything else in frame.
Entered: 5:02
